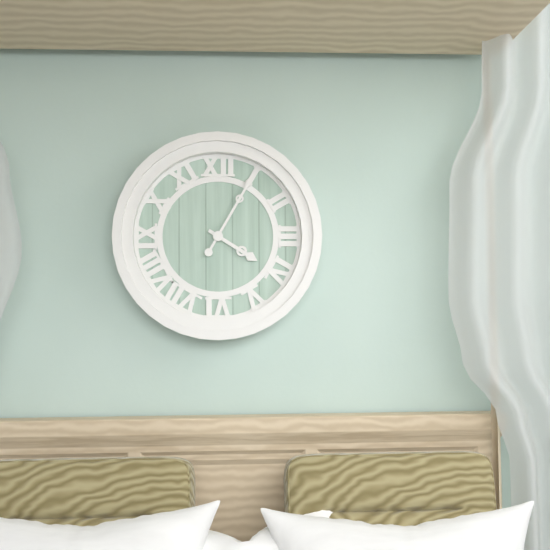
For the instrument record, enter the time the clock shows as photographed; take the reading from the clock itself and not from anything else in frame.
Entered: 4:05
